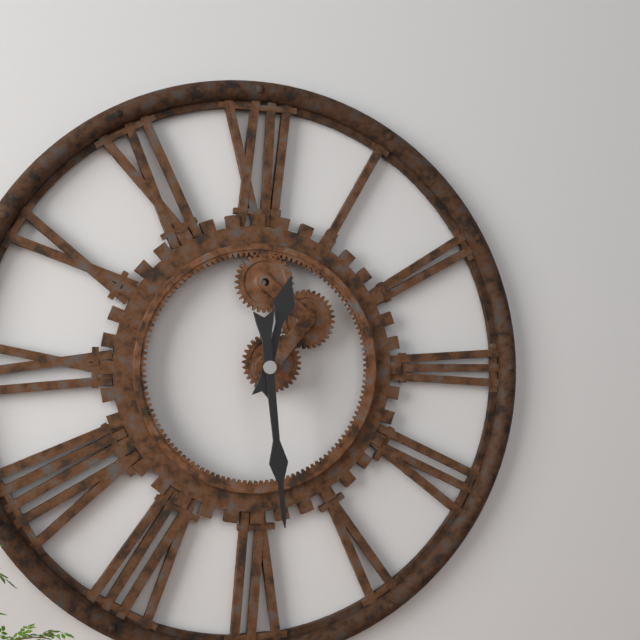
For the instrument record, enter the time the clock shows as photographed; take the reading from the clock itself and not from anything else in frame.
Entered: 12:29
